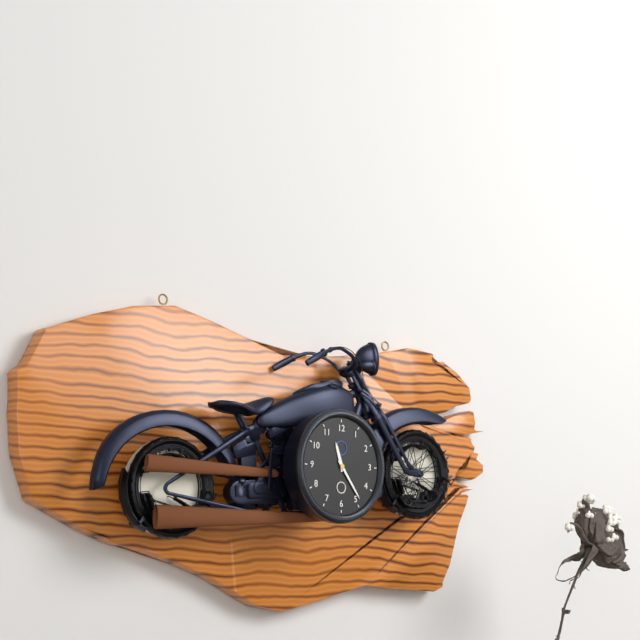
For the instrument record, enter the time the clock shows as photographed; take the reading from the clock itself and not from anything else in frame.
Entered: 11:24
